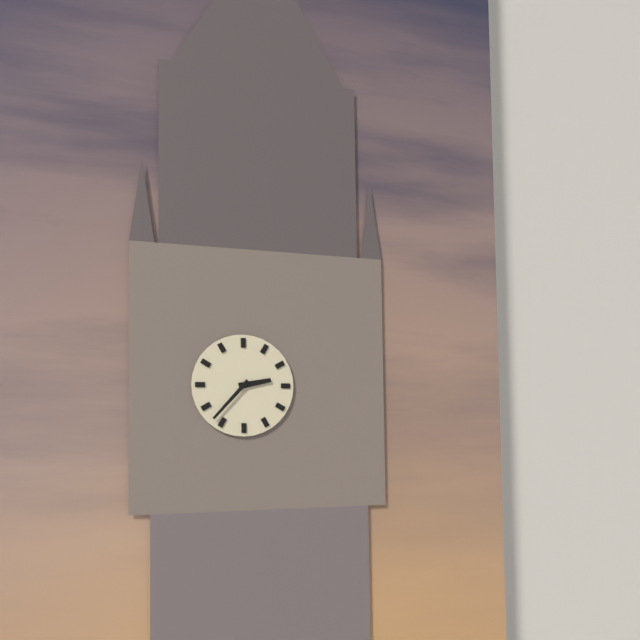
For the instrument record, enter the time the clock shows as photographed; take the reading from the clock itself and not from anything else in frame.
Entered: 2:37
